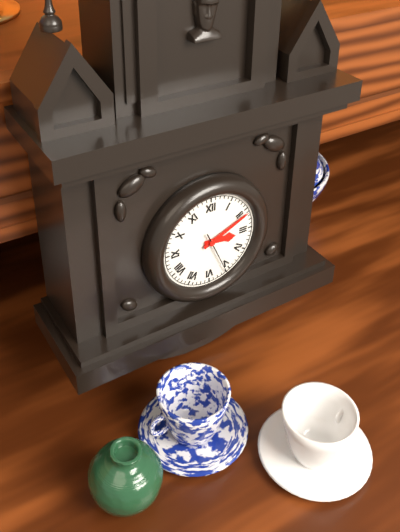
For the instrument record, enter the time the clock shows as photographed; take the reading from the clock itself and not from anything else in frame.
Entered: 3:11:26
